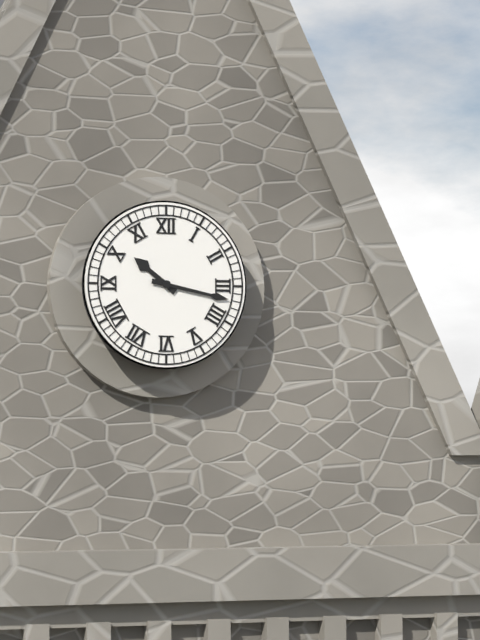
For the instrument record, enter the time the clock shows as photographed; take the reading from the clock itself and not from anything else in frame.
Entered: 10:17
